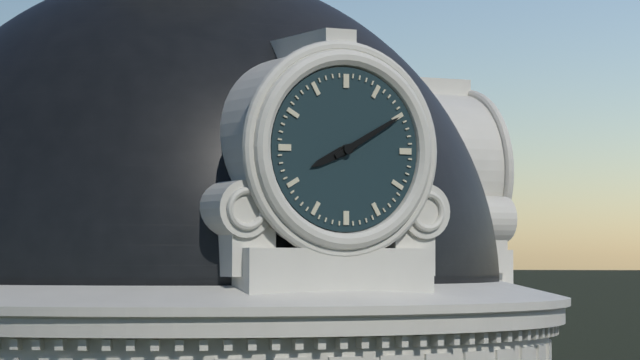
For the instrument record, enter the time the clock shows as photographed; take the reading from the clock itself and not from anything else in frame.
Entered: 8:10
